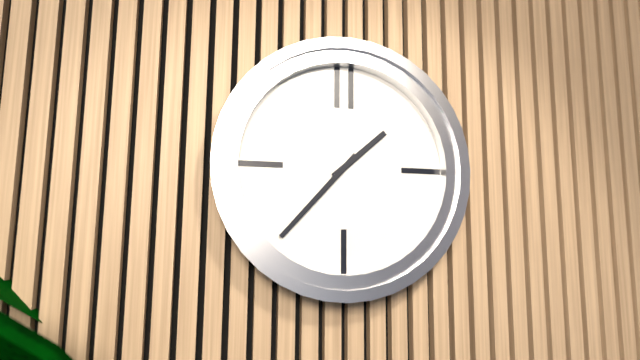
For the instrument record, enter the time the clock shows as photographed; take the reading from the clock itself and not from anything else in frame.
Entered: 1:37
